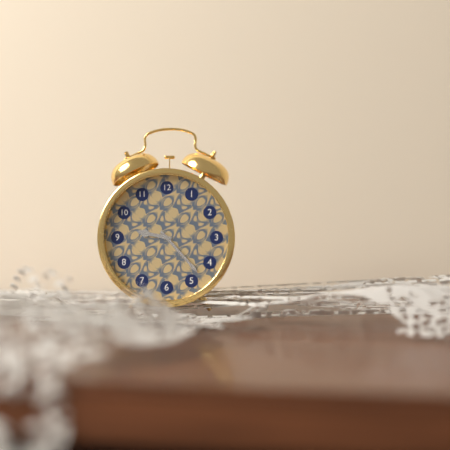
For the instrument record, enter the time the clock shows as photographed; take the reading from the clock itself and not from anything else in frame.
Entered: 9:23
